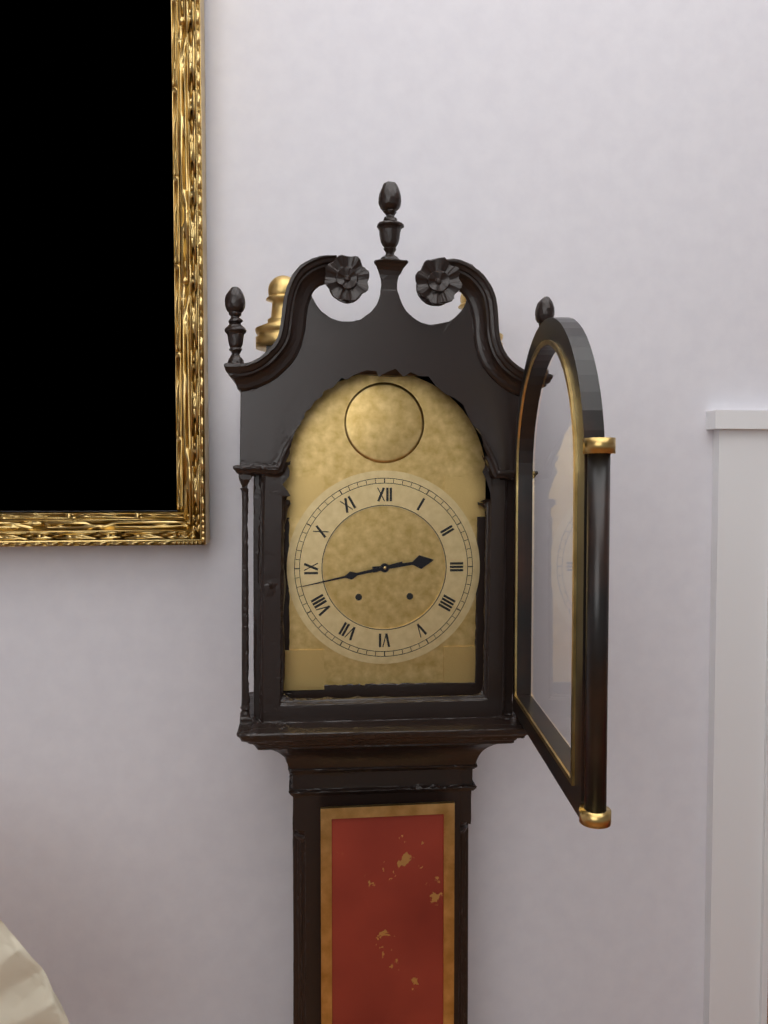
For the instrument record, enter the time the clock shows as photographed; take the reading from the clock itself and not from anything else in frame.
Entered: 2:43
